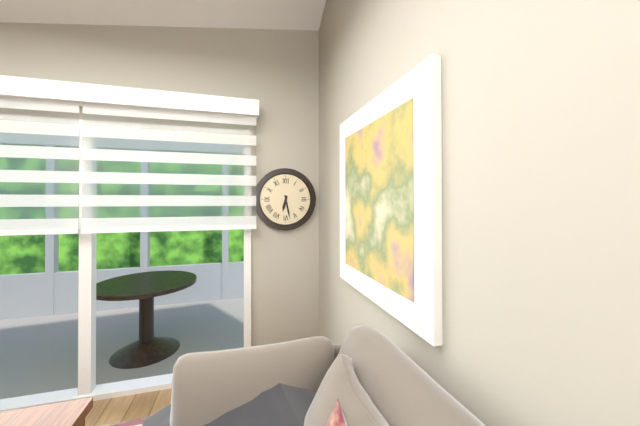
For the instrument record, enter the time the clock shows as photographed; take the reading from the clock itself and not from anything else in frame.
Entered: 6:28
